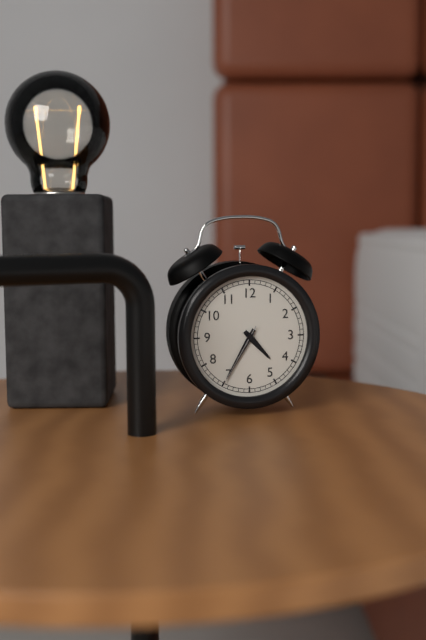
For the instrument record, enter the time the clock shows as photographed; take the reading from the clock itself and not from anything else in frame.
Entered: 4:35:35
